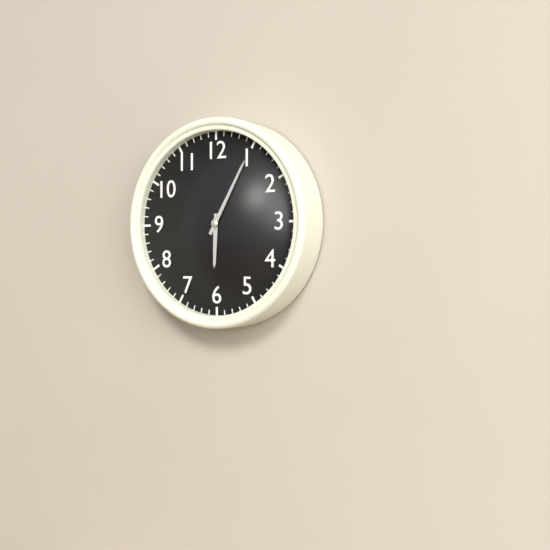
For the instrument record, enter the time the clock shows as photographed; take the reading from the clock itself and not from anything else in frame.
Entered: 6:05
